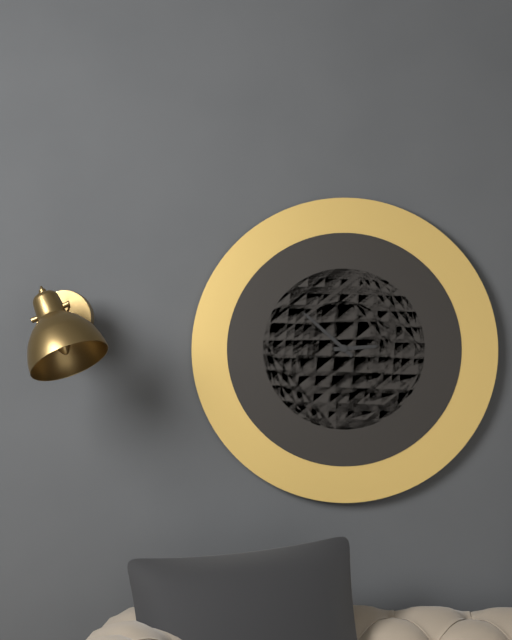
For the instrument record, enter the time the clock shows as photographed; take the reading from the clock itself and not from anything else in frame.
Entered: 2:52
